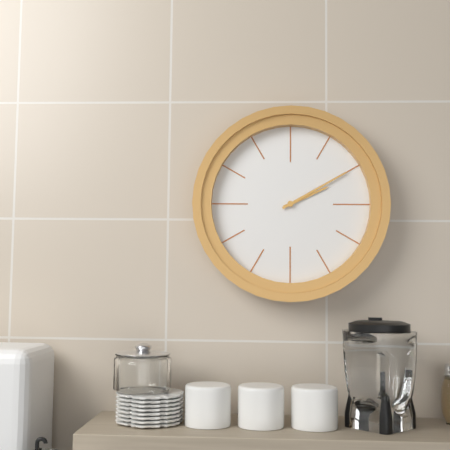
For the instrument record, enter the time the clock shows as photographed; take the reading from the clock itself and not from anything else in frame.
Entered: 2:10
